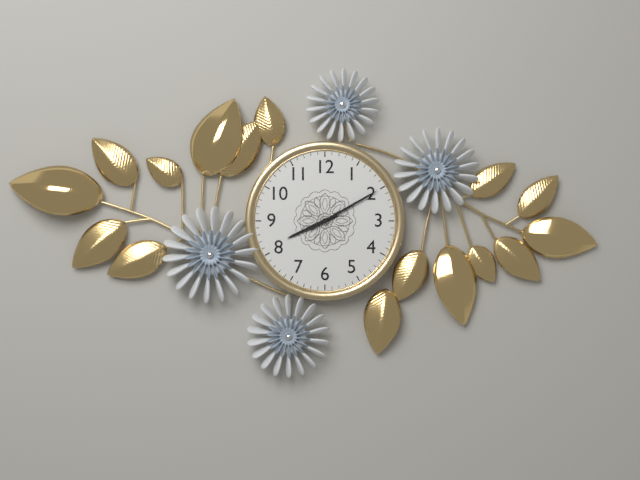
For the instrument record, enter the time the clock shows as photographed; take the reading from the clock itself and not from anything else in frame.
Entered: 8:10
